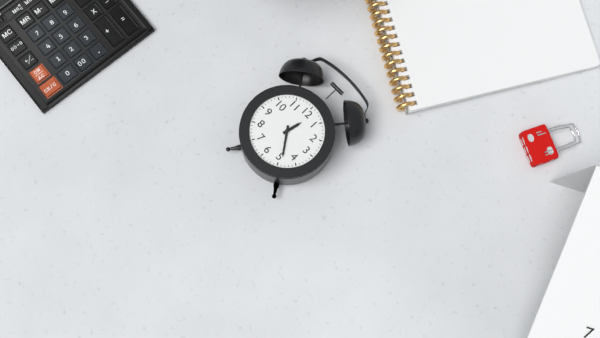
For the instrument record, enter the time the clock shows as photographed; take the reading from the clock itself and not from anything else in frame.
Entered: 12:24
